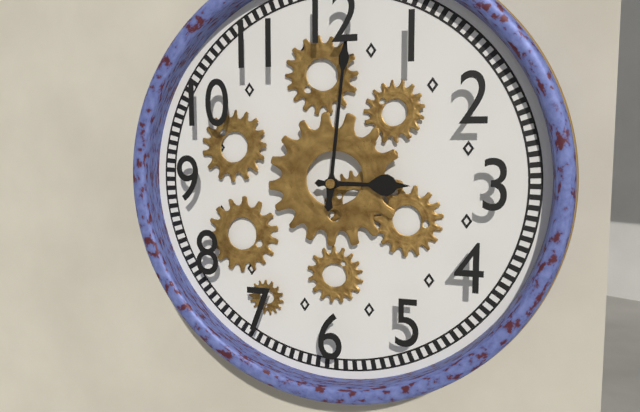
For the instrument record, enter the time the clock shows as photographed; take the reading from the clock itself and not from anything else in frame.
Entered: 3:01
